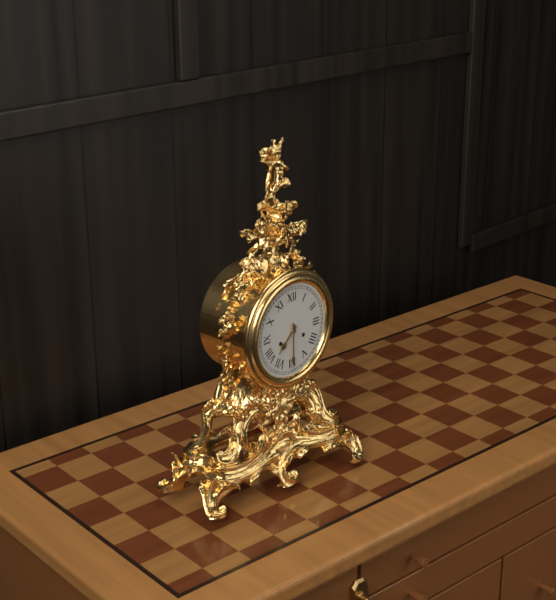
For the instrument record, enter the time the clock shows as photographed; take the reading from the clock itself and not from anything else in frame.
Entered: 7:30
